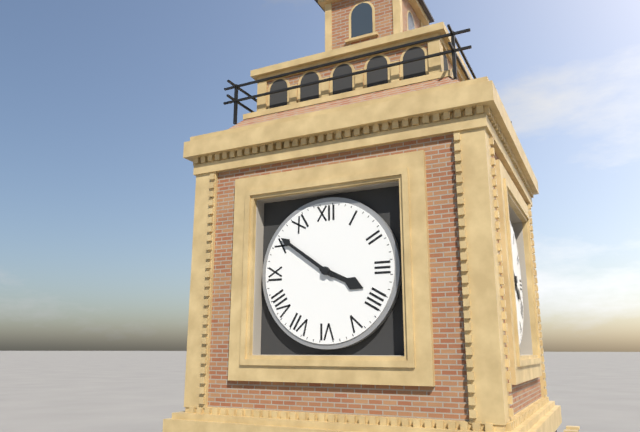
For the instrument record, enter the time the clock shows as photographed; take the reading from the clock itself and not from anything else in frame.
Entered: 3:51
